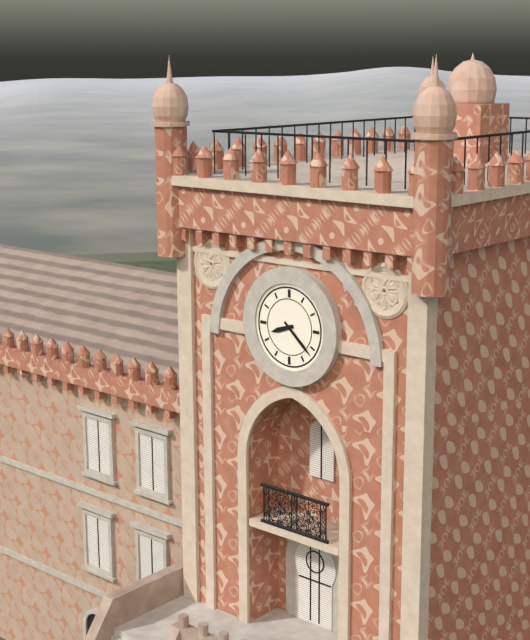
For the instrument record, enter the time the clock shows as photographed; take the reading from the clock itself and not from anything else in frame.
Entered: 8:22
